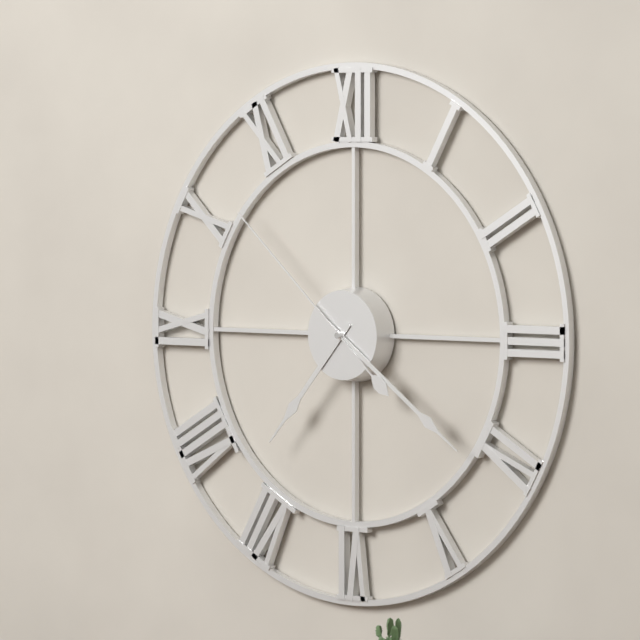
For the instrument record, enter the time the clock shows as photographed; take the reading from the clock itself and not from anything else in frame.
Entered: 7:21:52
